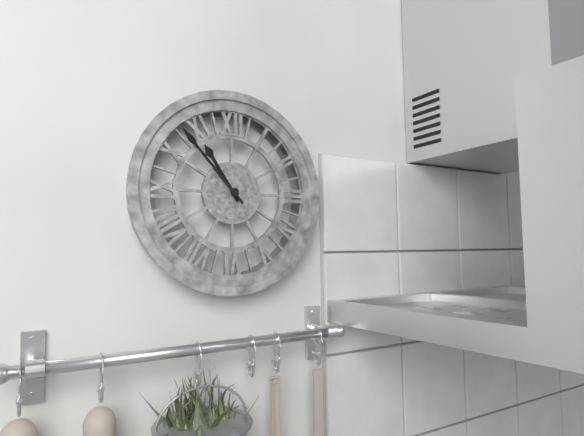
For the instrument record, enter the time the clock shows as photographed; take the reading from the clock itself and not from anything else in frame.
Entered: 10:53
